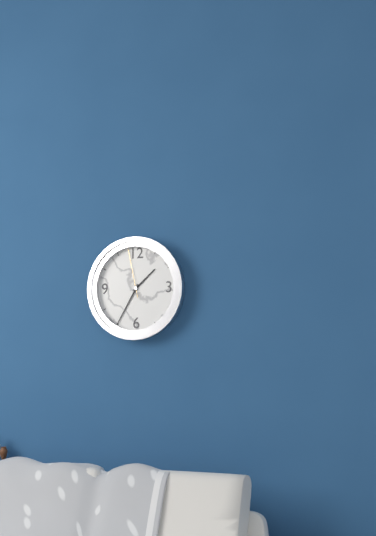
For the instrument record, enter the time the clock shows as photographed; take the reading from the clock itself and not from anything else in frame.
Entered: 1:35:58
